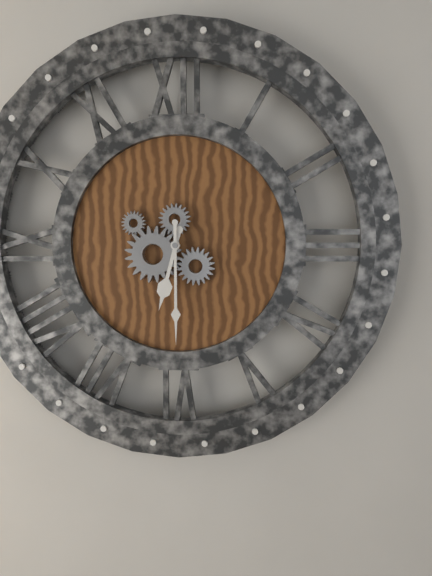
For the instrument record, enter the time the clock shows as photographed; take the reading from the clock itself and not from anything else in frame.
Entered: 6:30
